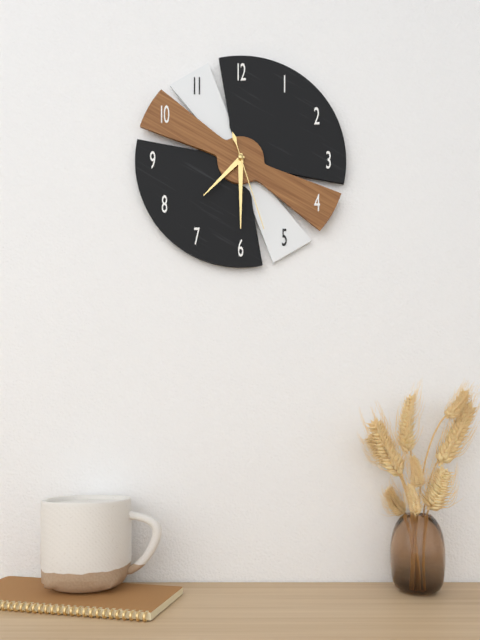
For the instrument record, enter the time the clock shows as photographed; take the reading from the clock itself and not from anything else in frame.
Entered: 7:30:27
